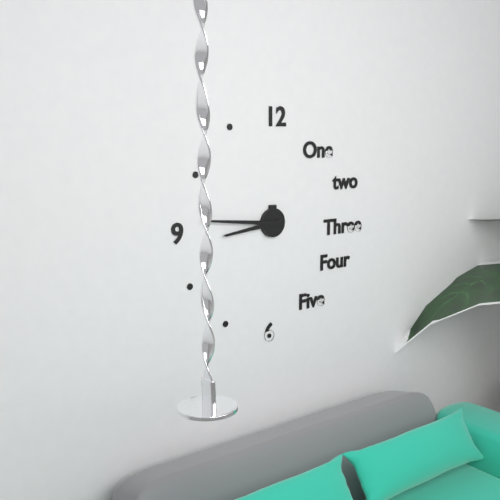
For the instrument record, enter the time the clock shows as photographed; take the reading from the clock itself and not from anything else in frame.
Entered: 8:46
